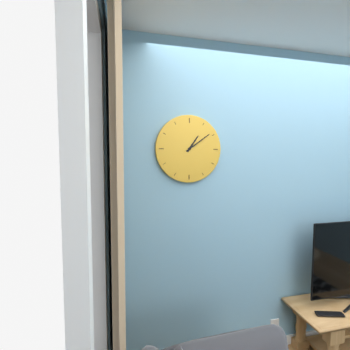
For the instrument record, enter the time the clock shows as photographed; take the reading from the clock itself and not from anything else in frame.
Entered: 1:09
